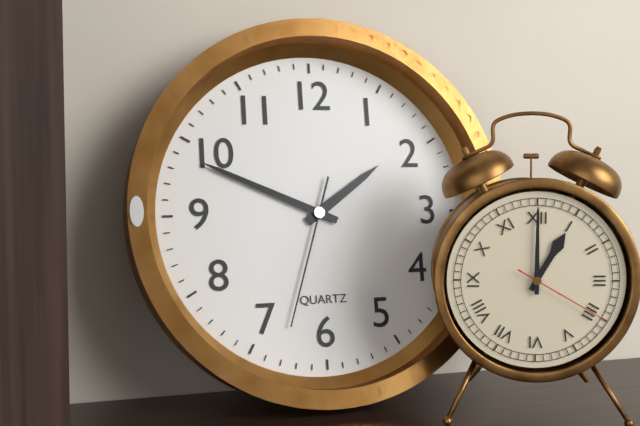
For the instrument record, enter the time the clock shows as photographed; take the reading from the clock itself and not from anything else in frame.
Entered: 1:49:33
